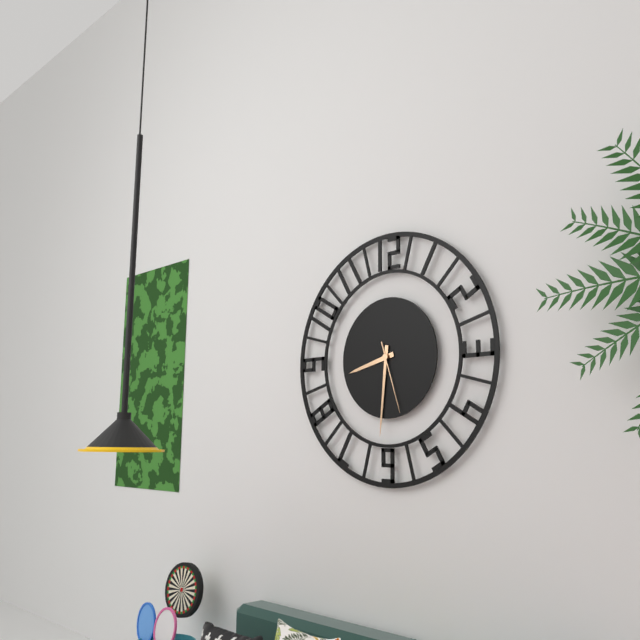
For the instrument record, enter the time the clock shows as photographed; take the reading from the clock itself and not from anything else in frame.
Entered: 8:31:27
